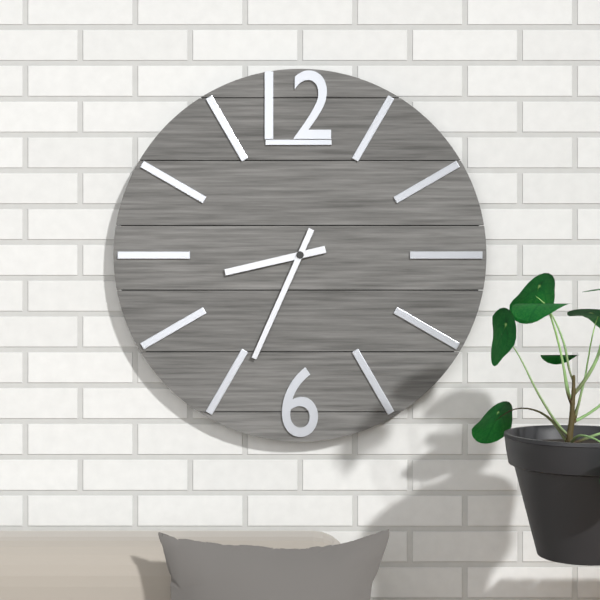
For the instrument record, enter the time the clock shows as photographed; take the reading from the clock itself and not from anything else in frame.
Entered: 8:34
